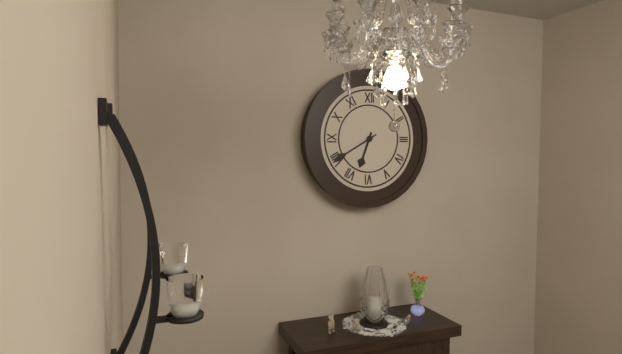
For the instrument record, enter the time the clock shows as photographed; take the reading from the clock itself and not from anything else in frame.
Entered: 6:40
